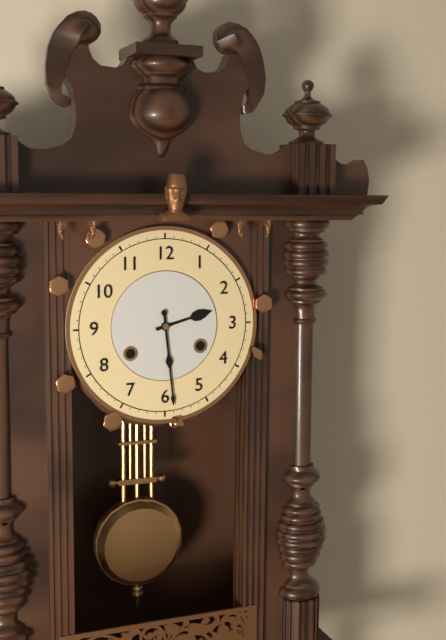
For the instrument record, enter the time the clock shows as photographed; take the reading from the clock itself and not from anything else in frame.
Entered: 2:29
